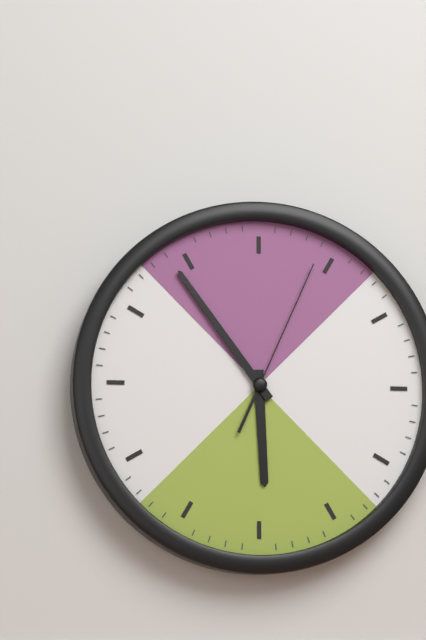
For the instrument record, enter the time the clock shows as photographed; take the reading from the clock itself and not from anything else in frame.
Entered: 5:54:04
